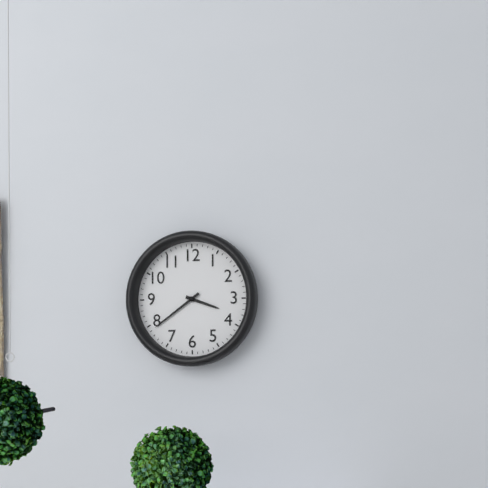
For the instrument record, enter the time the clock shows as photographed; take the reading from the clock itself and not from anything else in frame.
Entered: 3:39
